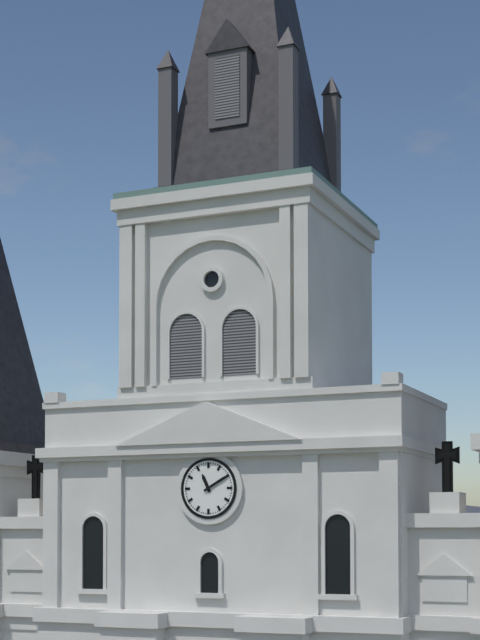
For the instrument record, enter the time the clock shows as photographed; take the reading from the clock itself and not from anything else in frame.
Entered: 11:10
